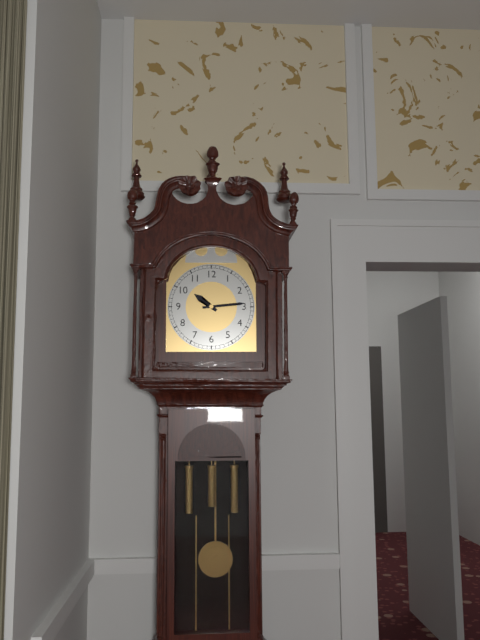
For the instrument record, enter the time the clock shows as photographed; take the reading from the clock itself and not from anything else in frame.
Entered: 10:14
